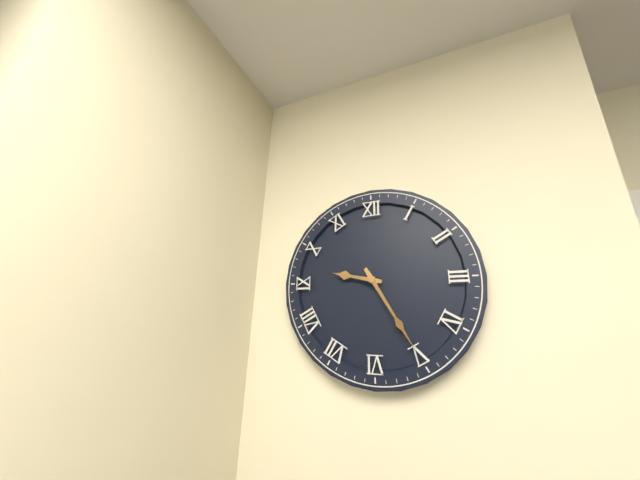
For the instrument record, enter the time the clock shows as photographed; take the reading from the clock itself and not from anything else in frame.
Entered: 9:25
